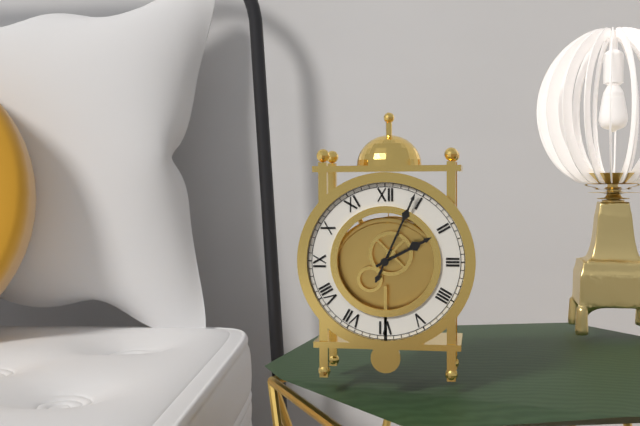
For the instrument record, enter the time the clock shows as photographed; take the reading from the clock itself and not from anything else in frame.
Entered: 2:04
